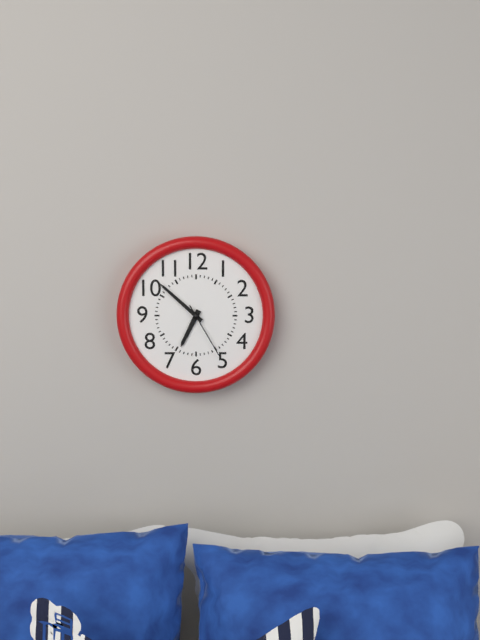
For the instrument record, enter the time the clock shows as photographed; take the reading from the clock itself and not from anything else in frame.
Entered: 6:52:25
